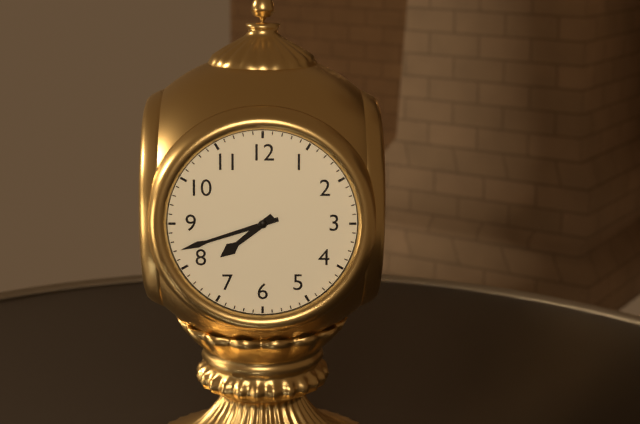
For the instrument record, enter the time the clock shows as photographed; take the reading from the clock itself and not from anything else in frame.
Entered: 7:42
